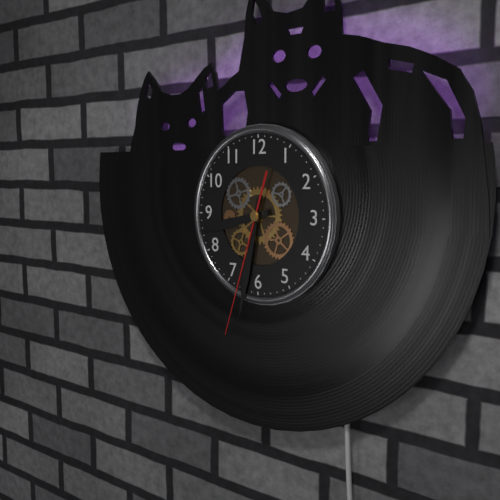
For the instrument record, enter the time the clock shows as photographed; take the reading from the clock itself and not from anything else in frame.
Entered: 8:32:33
